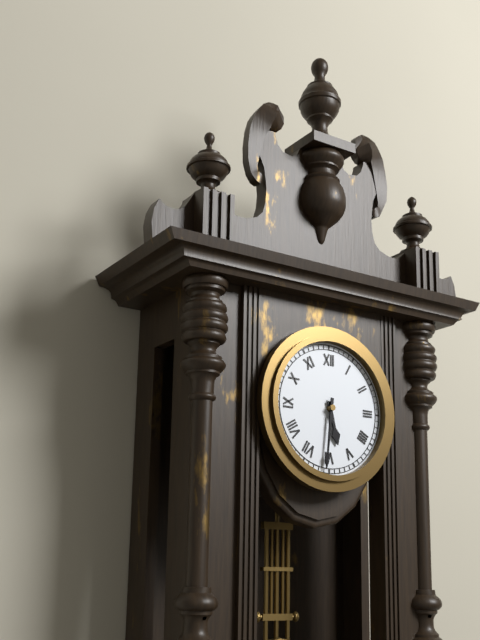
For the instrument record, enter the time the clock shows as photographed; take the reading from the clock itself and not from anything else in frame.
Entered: 5:31
